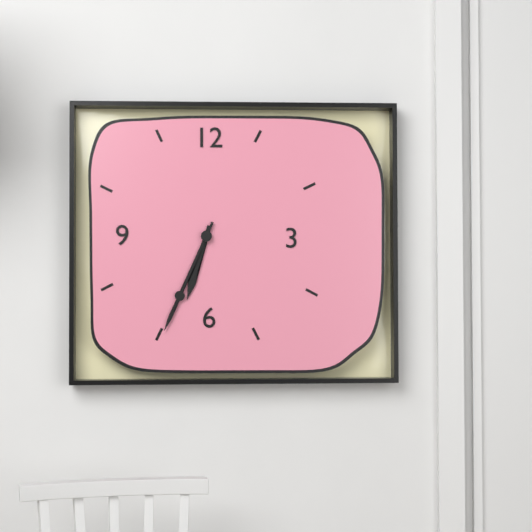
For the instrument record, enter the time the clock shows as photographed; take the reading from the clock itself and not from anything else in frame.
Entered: 6:34
